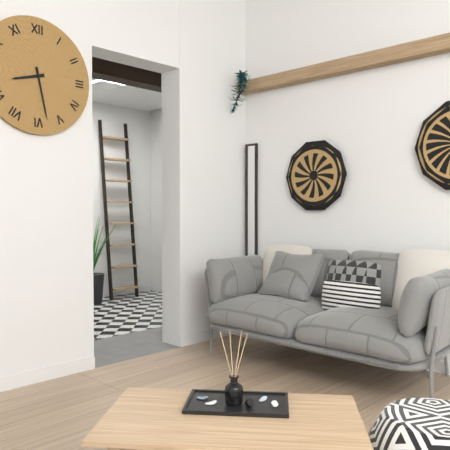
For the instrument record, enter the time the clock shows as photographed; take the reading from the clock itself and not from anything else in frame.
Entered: 8:28
